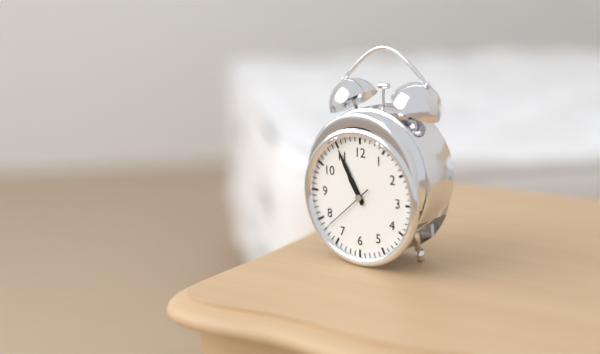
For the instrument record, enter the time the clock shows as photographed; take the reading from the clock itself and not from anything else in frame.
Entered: 10:55:38
